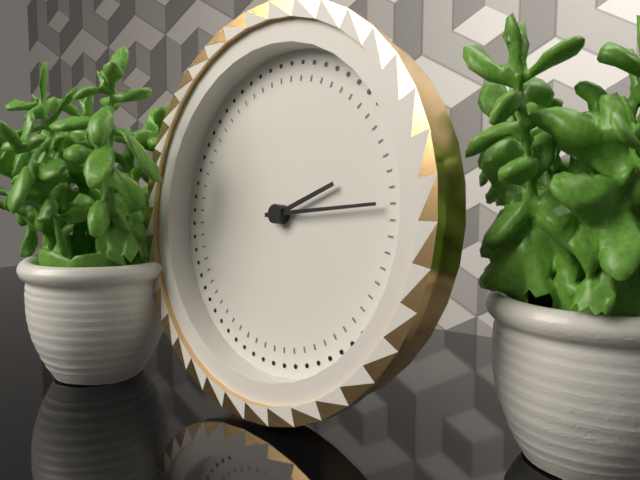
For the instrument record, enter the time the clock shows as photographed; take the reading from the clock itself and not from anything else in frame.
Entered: 2:14
